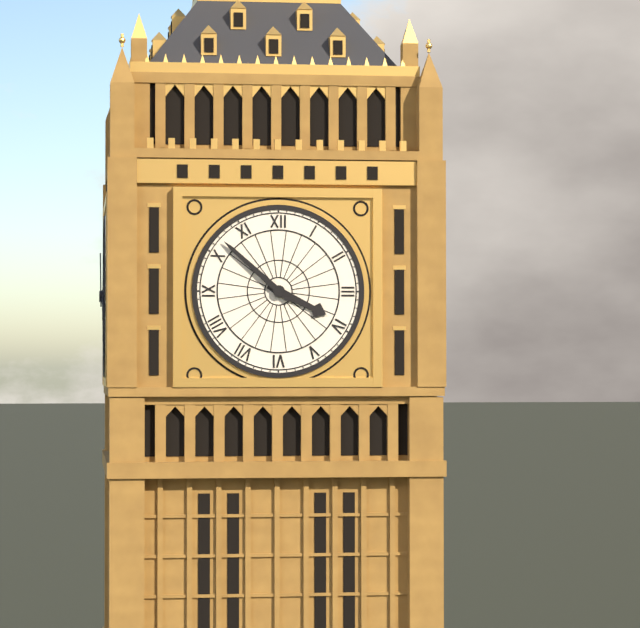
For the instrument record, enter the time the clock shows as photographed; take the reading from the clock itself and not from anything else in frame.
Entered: 3:52
